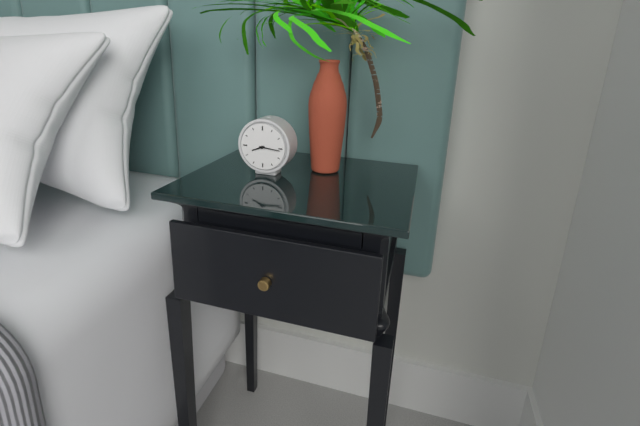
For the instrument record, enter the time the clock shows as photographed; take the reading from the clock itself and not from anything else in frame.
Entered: 8:16
